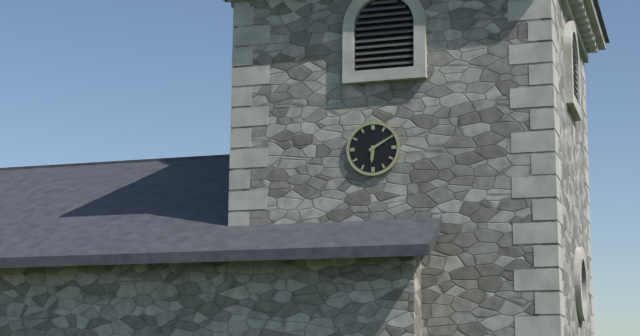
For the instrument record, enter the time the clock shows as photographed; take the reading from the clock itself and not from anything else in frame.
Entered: 6:10
